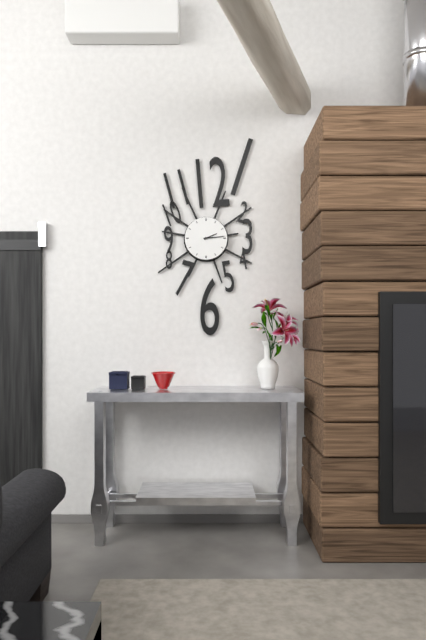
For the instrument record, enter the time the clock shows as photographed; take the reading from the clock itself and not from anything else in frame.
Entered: 2:14
